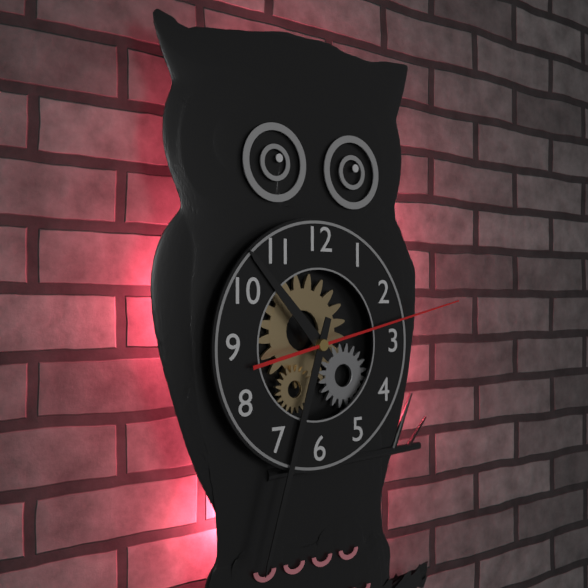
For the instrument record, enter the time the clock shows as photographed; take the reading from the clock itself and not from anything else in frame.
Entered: 10:33:13
